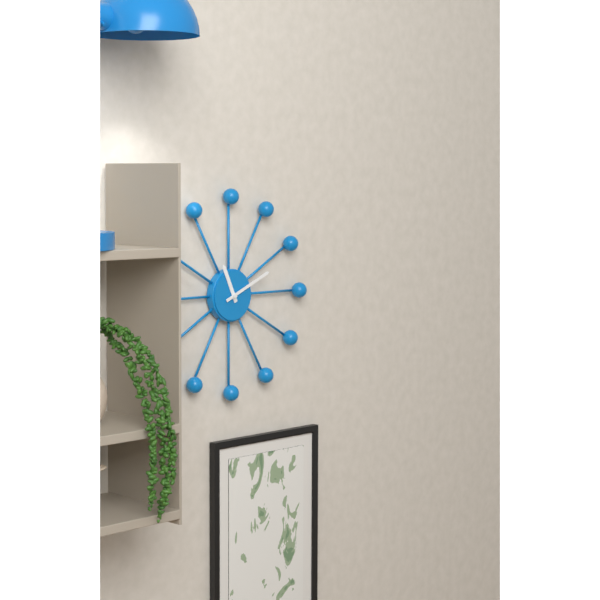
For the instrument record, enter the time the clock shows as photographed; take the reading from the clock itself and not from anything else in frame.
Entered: 11:11
